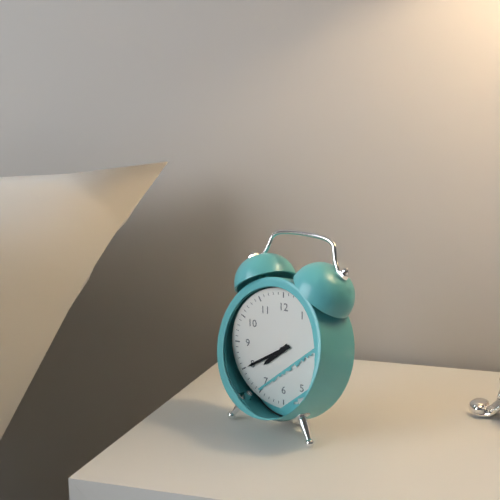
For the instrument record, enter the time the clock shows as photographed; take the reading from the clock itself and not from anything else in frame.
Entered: 7:40
